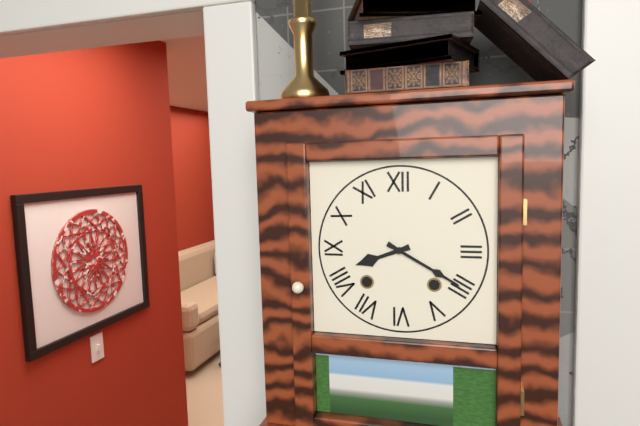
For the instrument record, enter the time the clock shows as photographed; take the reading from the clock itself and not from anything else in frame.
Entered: 8:20
